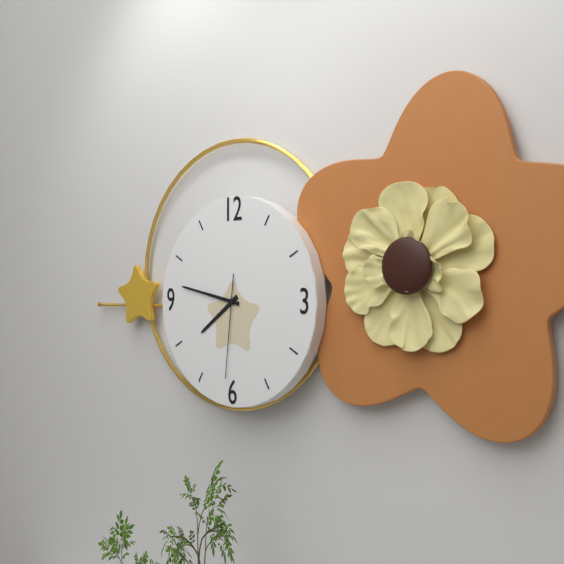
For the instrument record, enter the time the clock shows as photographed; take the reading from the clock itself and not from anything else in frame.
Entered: 7:47:31
